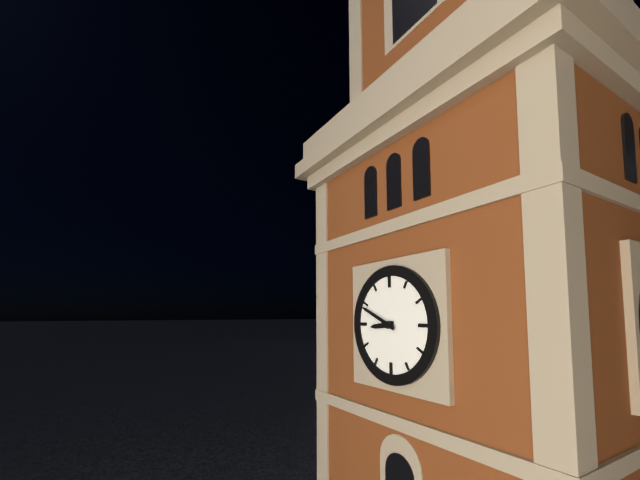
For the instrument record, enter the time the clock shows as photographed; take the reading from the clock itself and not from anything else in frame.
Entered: 8:49
